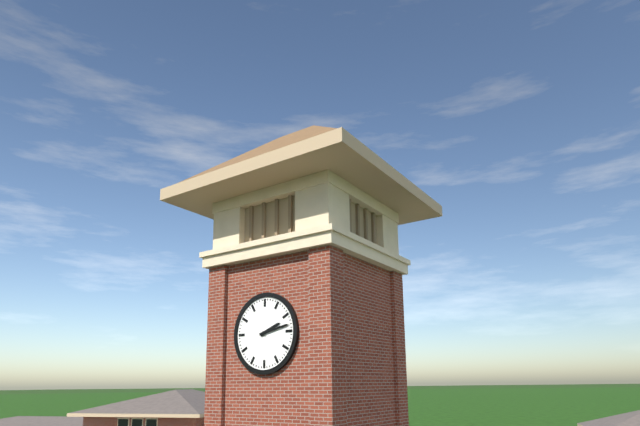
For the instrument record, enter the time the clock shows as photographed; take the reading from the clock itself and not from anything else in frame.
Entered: 2:13
